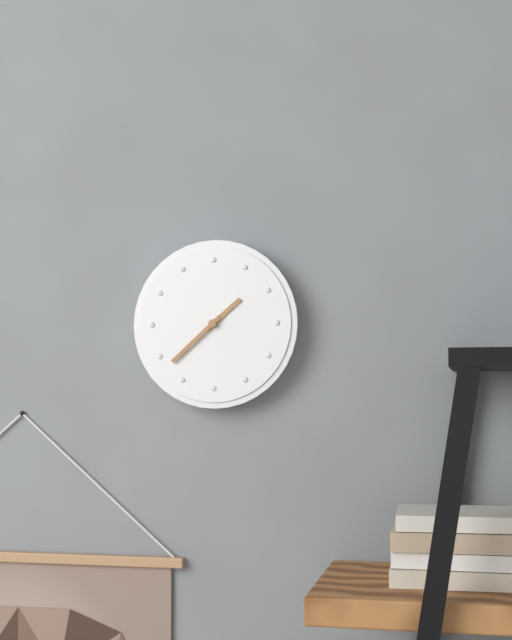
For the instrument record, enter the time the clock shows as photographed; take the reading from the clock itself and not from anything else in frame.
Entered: 1:38
